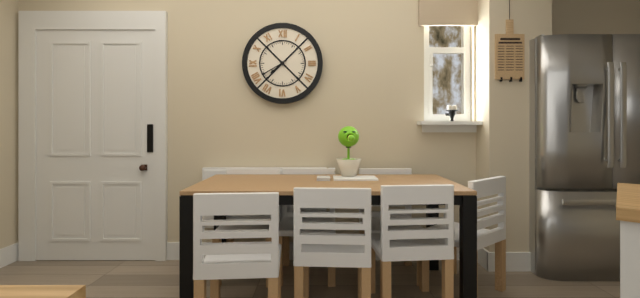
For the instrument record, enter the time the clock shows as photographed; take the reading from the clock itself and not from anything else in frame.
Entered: 7:40
